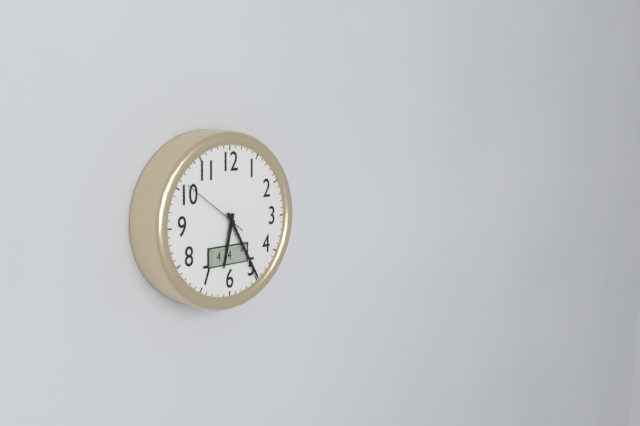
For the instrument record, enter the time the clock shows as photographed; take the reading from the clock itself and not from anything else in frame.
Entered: 6:25:51
